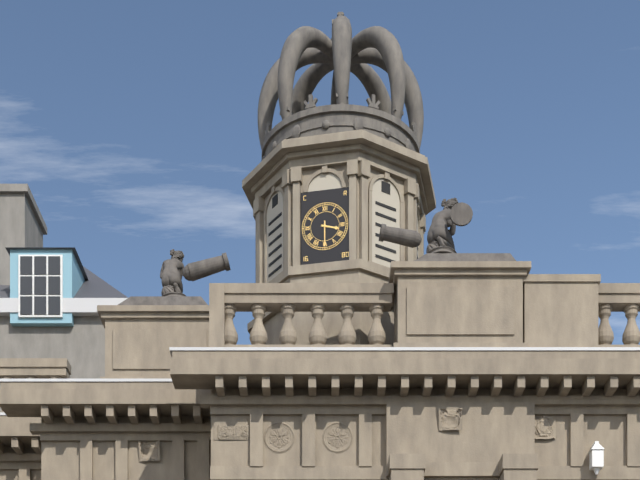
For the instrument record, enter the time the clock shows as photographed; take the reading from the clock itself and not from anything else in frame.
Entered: 3:30
